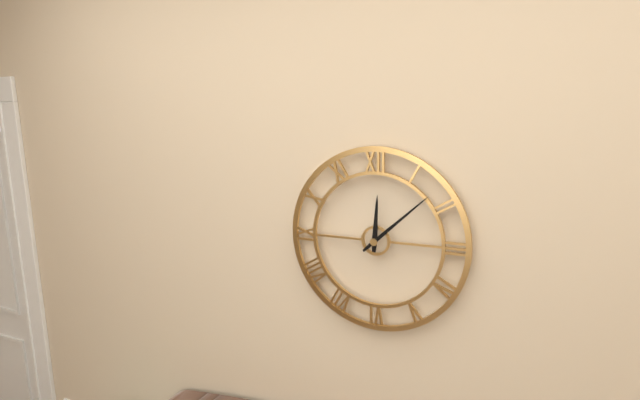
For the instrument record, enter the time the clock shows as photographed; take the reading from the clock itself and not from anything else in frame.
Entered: 12:08
